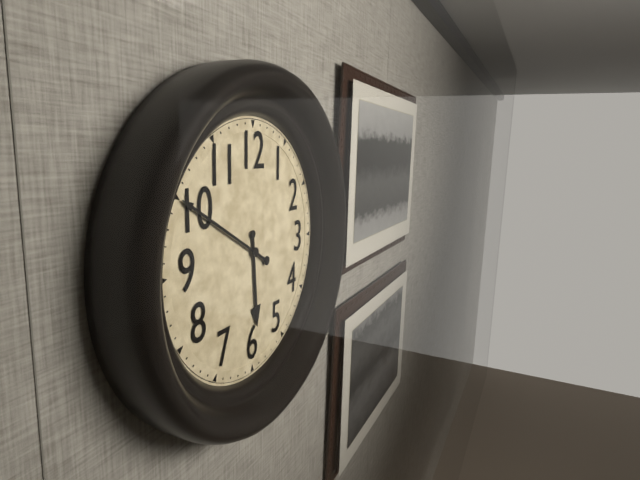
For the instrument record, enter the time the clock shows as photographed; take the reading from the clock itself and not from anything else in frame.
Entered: 5:50
